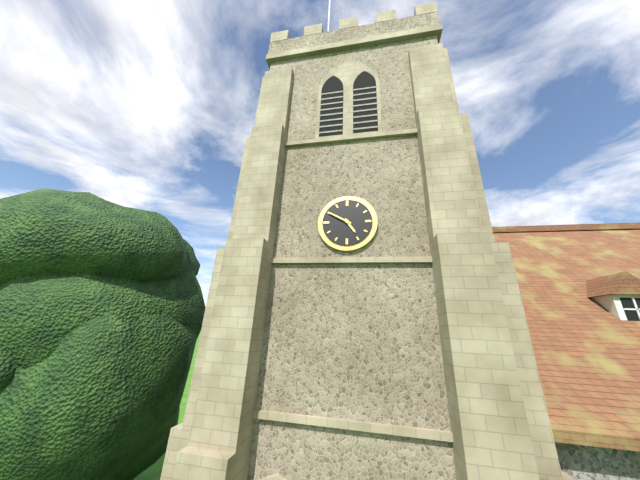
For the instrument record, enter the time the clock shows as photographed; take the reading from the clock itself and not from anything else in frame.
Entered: 4:50
